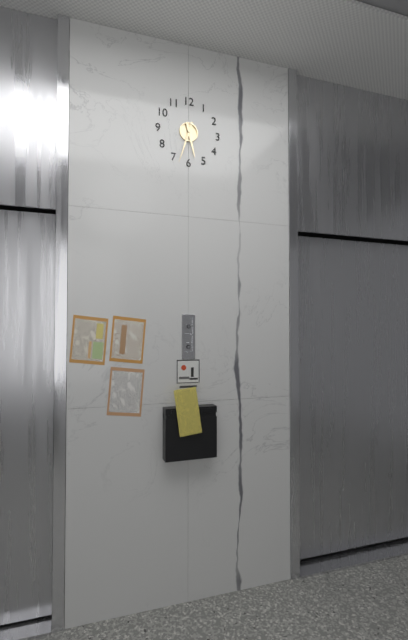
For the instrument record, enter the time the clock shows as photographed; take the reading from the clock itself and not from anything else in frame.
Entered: 5:33
